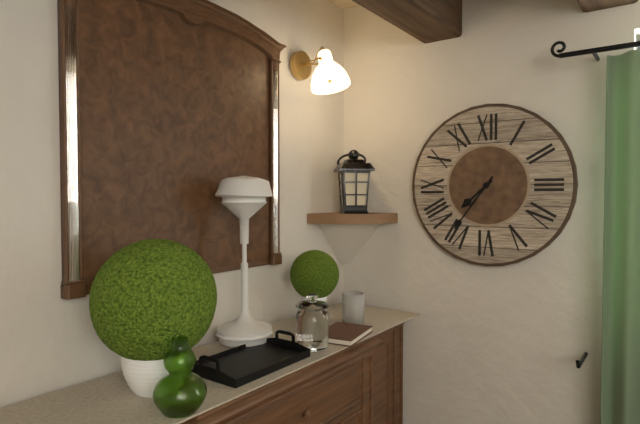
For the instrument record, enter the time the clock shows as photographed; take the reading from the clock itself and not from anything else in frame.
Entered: 7:36
